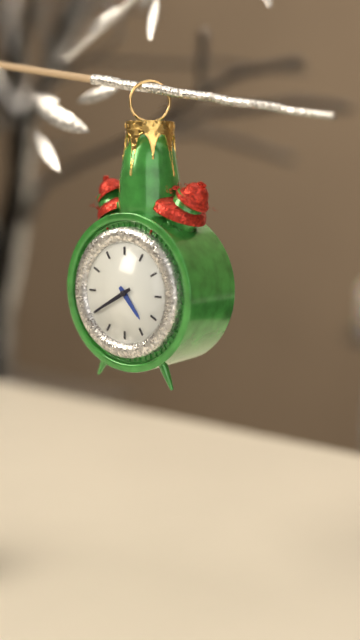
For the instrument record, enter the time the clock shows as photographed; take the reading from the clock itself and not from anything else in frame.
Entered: 4:40
